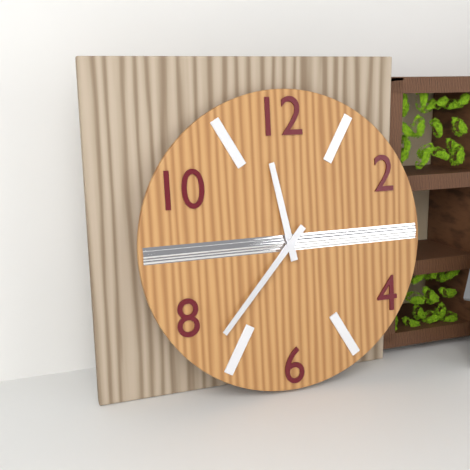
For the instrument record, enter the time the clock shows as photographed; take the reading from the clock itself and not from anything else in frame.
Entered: 11:37
